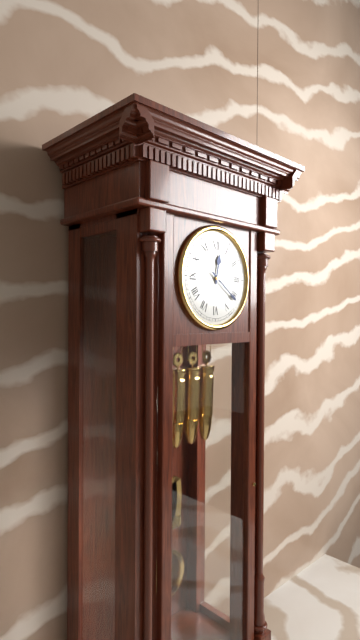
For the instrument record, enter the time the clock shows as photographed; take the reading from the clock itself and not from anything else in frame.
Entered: 12:21
